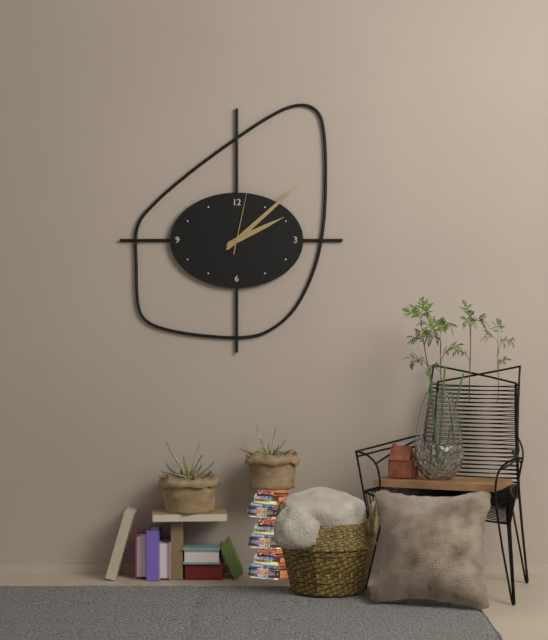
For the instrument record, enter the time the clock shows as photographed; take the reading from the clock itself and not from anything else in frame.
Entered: 2:08:02
